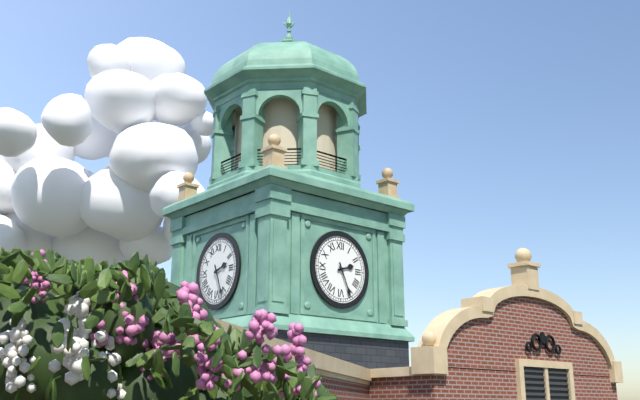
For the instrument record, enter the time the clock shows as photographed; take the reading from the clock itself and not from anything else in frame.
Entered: 2:26
